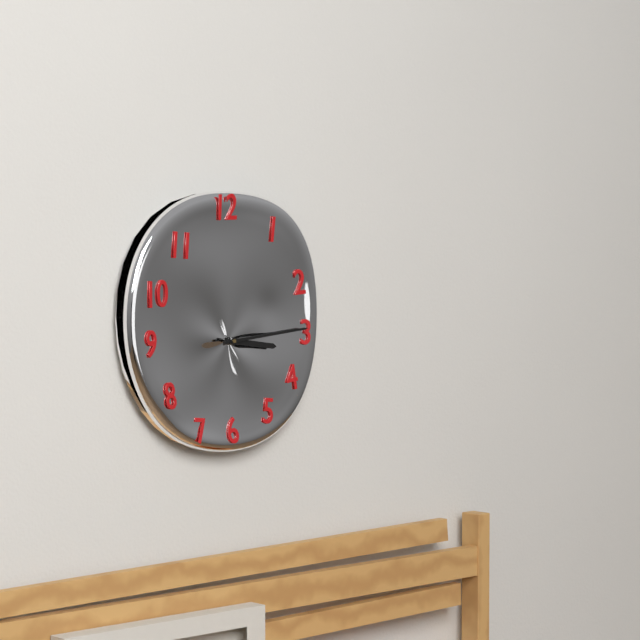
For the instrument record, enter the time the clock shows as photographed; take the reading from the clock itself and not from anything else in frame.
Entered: 3:14
